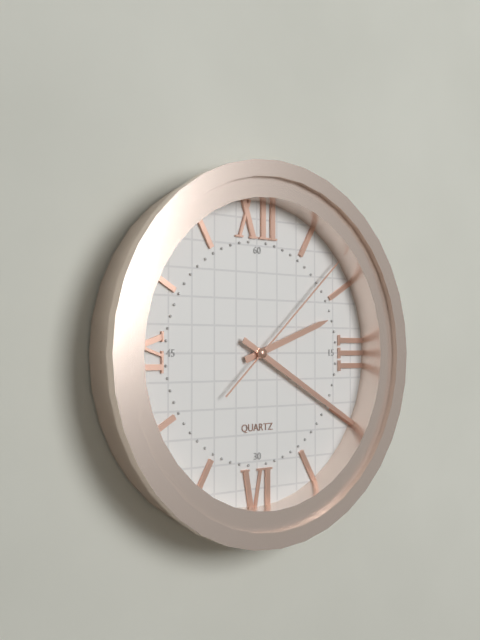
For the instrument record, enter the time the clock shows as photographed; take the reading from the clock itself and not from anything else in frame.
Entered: 2:20:08
